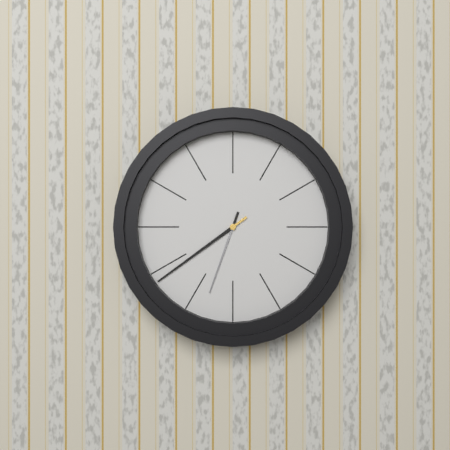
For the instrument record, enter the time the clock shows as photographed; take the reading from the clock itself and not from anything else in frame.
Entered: 6:39
